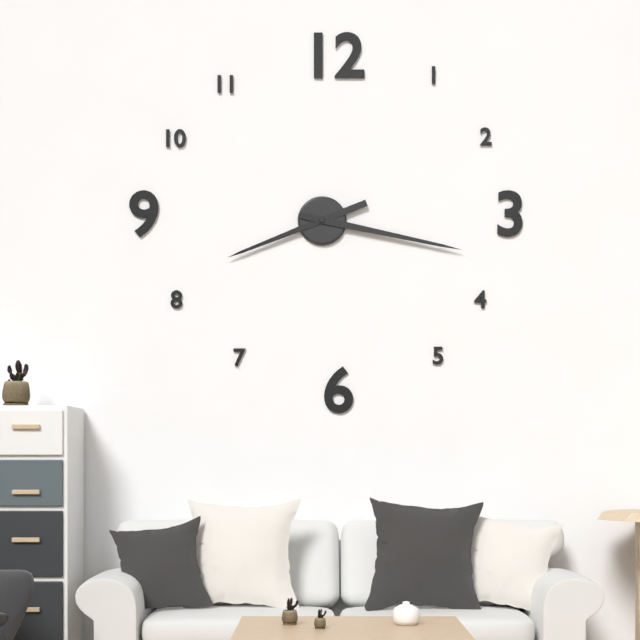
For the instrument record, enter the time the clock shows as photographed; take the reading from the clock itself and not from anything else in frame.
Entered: 8:17
